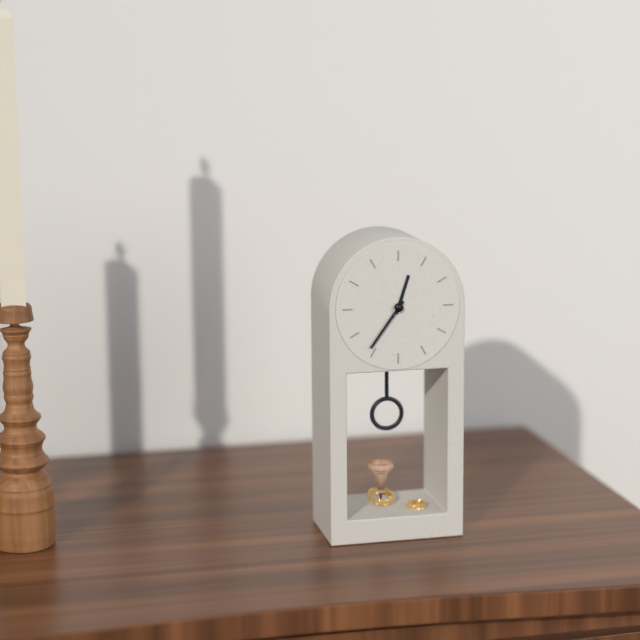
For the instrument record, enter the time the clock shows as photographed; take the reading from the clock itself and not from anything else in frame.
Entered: 12:36
